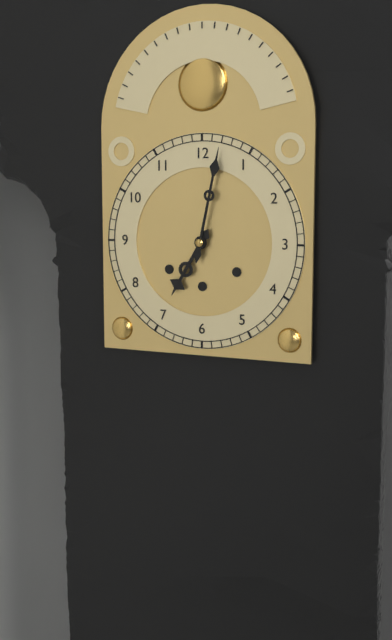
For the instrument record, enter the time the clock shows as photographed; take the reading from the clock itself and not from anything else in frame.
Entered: 7:02
